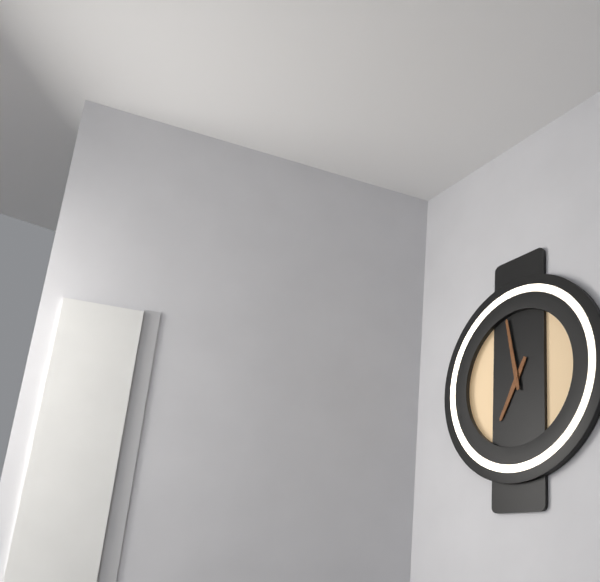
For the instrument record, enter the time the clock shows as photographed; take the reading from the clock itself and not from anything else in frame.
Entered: 6:58
